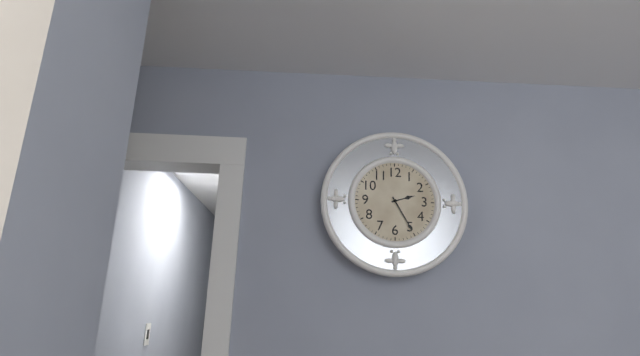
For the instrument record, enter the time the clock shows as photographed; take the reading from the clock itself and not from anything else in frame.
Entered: 2:25
